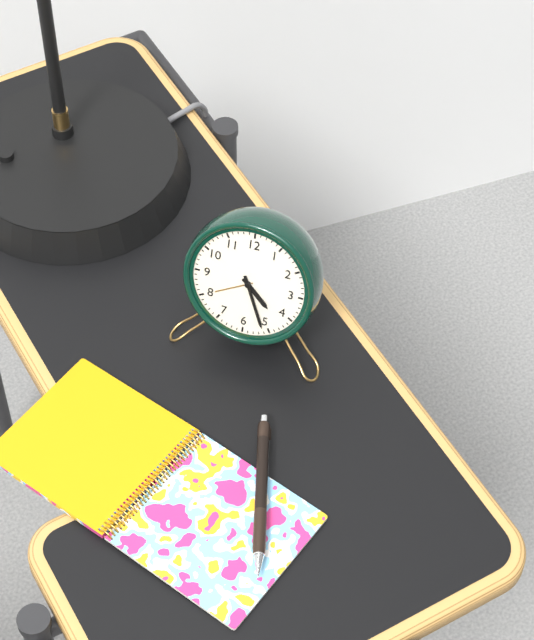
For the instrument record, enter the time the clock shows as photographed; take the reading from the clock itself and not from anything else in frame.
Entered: 4:26
